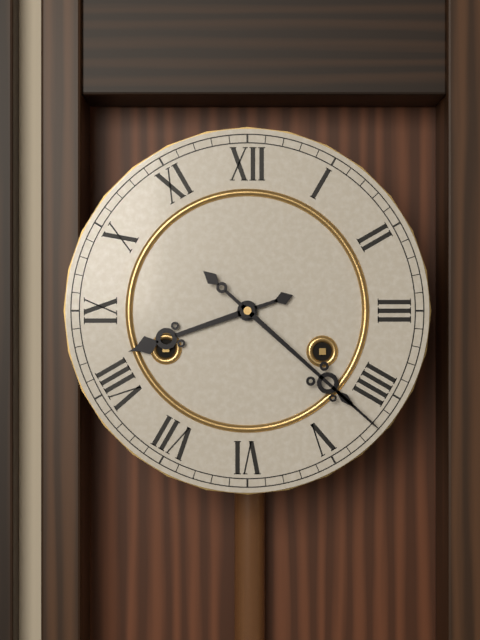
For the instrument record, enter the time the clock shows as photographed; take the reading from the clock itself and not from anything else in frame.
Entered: 8:22
